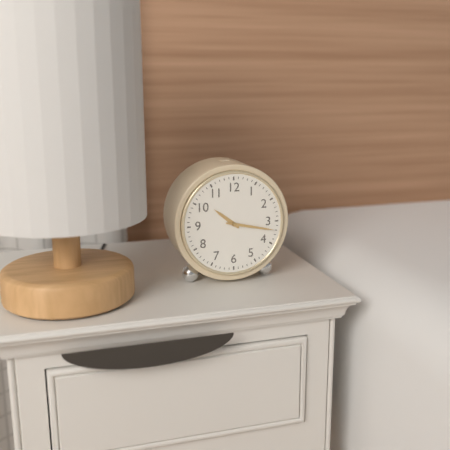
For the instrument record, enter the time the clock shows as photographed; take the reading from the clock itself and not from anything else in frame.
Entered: 10:17
